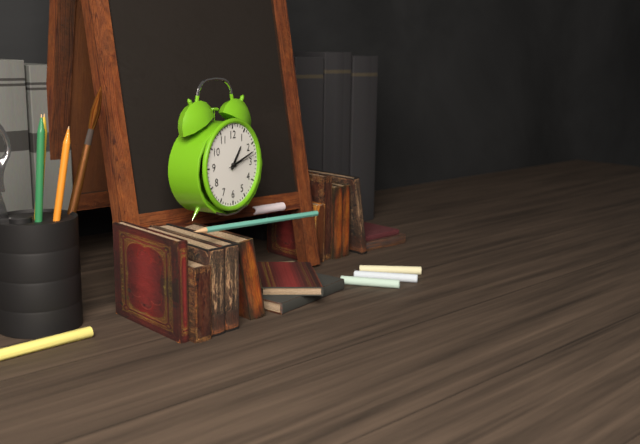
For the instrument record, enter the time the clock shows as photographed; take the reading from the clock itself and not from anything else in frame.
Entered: 1:12
